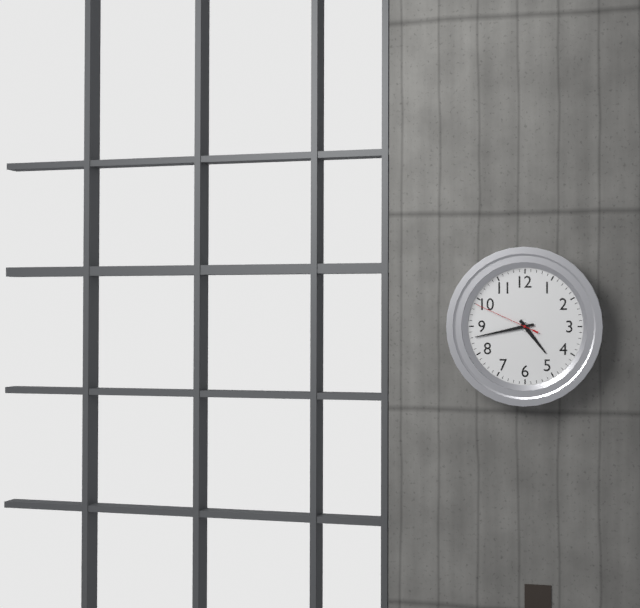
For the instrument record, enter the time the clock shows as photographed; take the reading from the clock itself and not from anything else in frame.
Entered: 4:43:49
